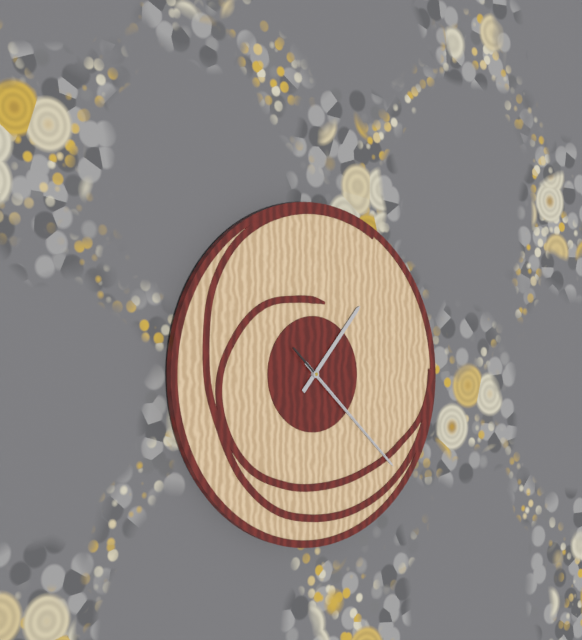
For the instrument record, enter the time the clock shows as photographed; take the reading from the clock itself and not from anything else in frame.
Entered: 1:22:22
